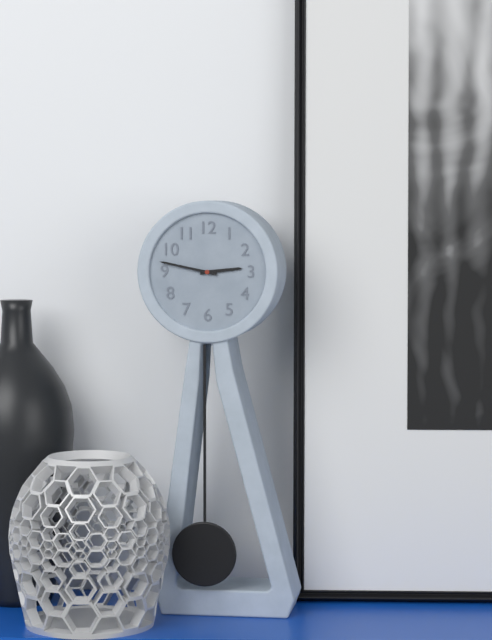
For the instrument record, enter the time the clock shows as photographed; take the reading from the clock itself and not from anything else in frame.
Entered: 2:47
